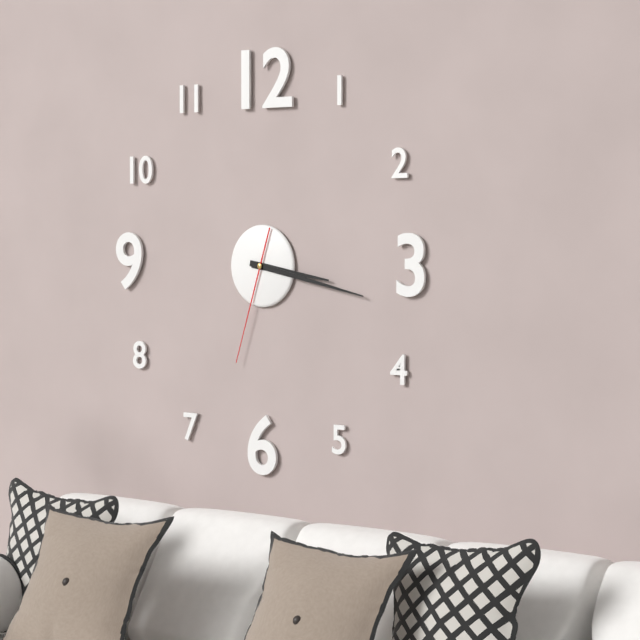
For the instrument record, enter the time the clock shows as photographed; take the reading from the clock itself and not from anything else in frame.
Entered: 3:17:33
